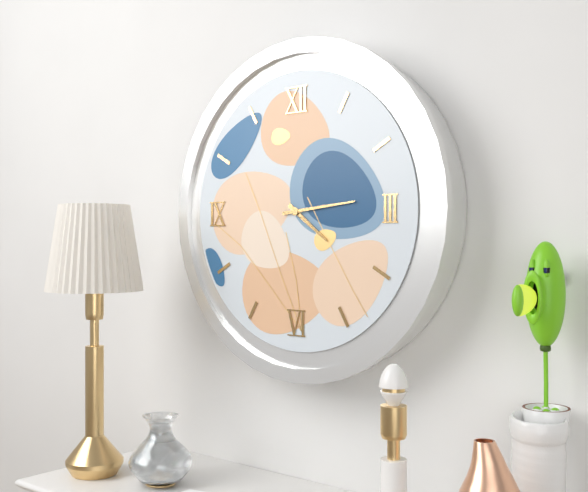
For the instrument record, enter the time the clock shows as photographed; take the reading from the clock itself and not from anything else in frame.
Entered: 4:14
